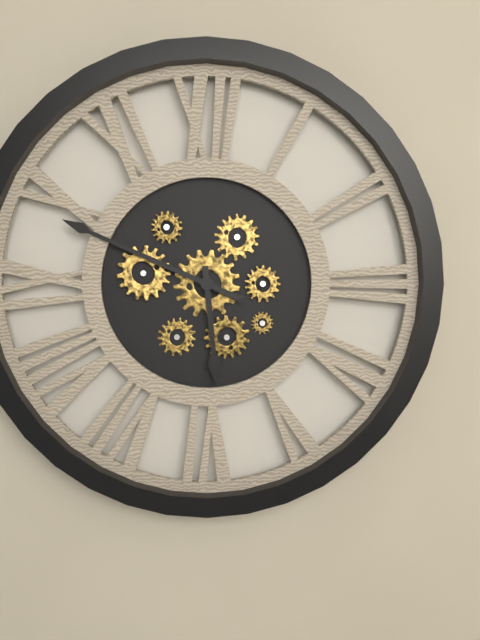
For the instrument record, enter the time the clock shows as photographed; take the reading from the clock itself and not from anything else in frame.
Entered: 5:49
